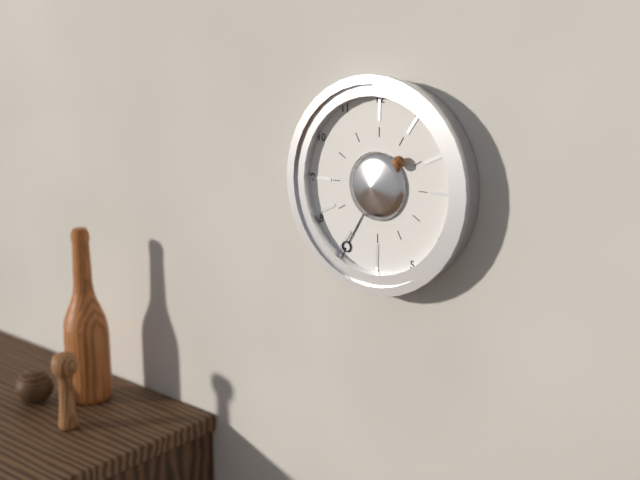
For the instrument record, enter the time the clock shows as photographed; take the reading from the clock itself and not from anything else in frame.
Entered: 1:35
